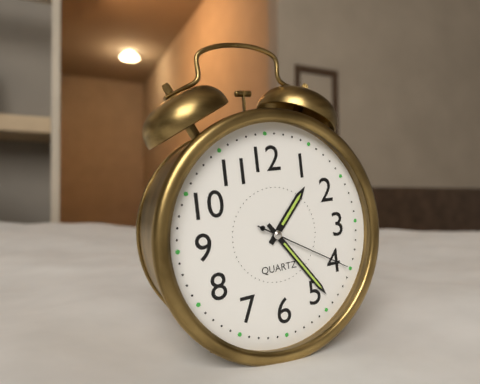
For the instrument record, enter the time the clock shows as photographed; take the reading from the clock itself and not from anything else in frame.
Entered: 1:24:20
